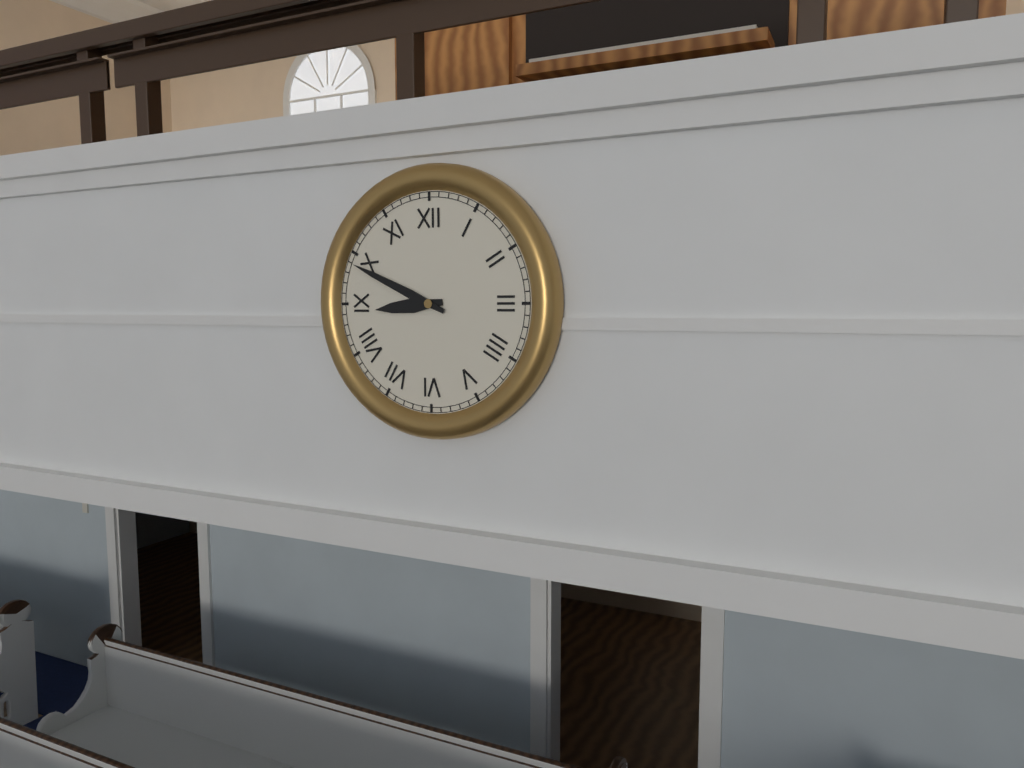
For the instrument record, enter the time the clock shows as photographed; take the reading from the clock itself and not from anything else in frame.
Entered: 8:49
